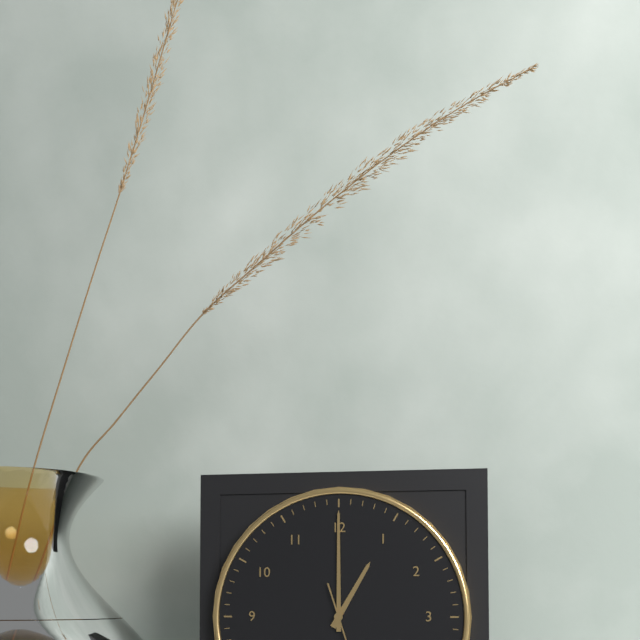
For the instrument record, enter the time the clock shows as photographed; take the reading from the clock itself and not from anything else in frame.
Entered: 1:00
